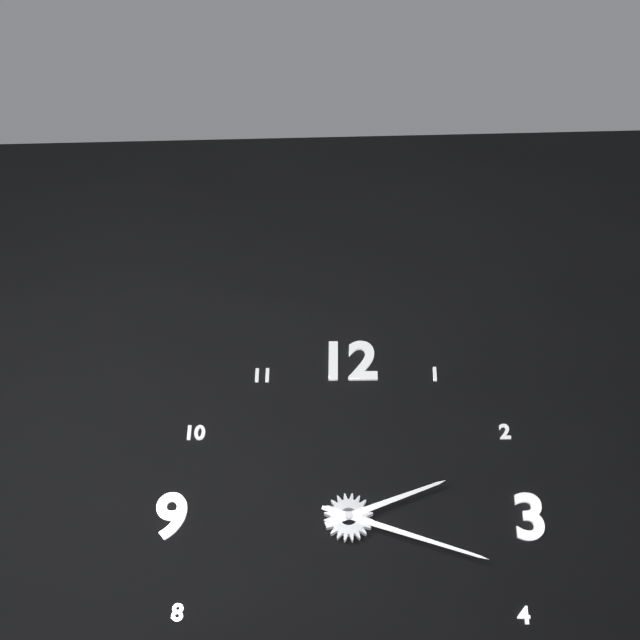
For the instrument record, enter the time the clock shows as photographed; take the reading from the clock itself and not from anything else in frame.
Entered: 2:18
